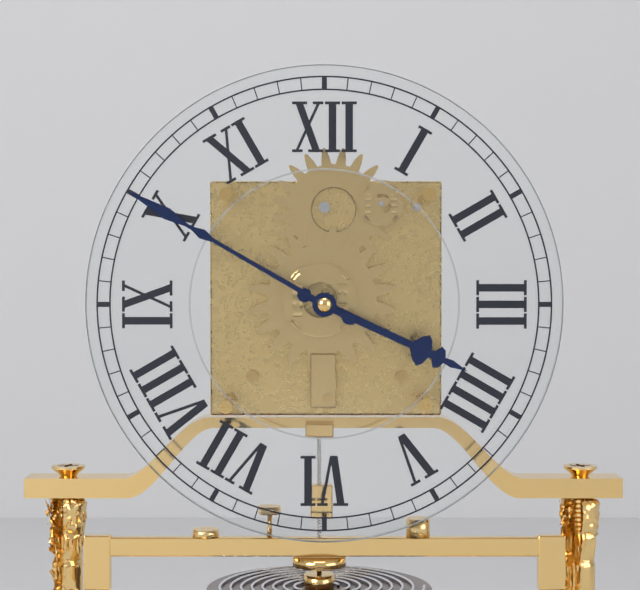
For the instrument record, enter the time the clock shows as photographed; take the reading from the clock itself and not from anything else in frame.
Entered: 3:50
